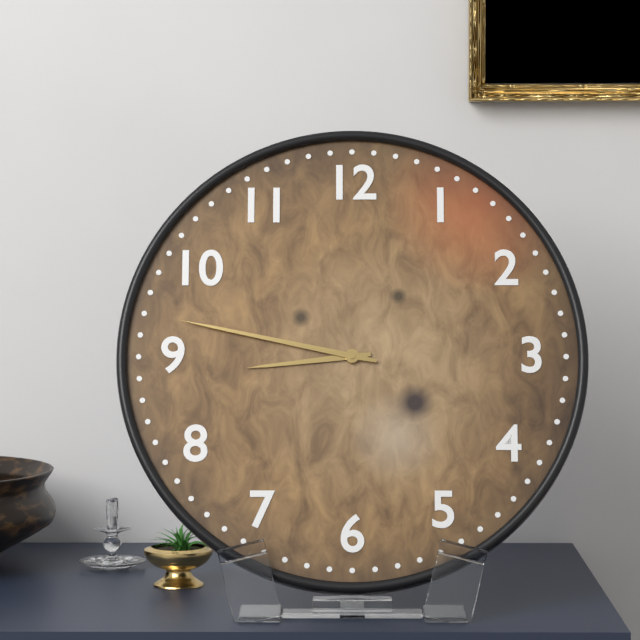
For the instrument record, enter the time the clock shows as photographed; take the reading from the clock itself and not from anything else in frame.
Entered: 8:47
